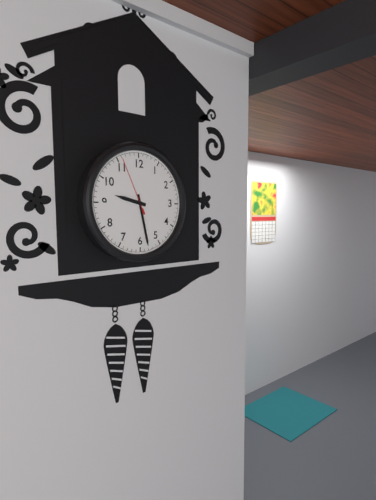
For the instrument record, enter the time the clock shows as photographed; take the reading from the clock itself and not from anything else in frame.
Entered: 9:28:56
